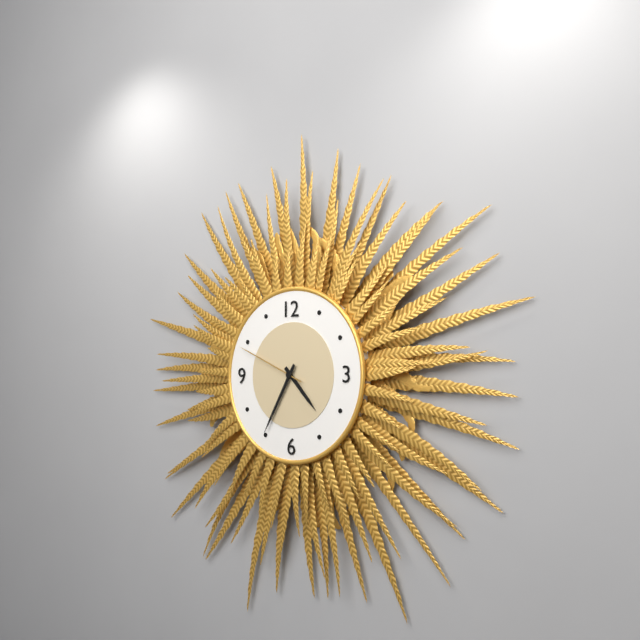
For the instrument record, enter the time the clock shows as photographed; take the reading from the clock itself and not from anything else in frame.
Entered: 4:35:49
